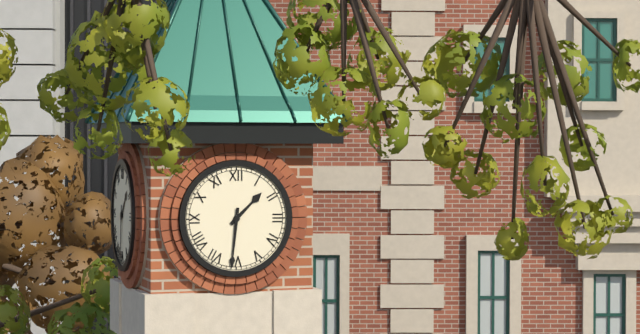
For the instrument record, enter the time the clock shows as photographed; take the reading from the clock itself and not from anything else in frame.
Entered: 1:31
